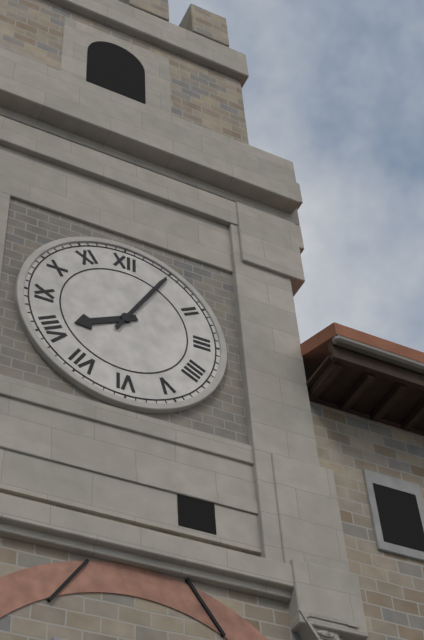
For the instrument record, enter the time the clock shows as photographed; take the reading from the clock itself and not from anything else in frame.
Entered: 8:05
